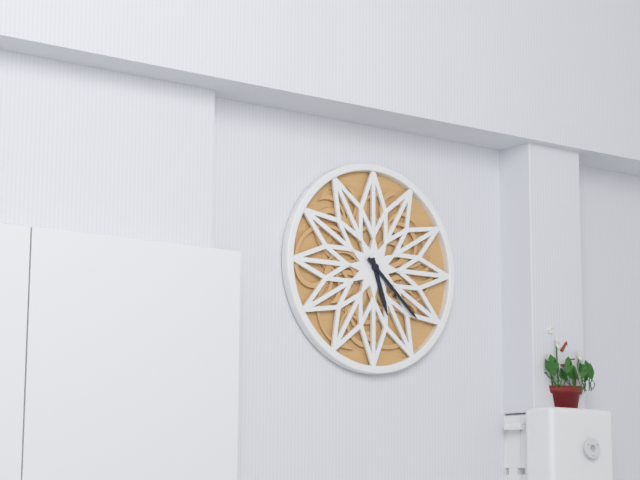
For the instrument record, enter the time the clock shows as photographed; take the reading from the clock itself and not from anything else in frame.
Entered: 5:22
